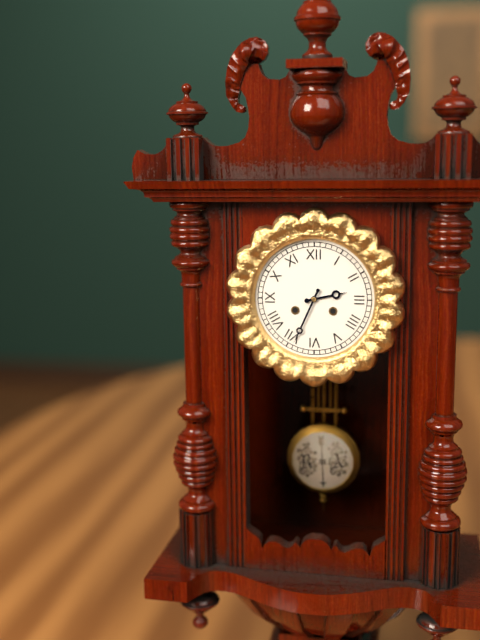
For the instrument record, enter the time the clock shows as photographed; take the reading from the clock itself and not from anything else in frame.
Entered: 2:34
